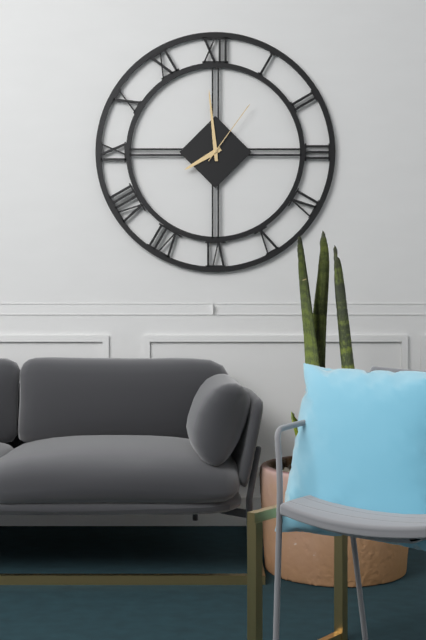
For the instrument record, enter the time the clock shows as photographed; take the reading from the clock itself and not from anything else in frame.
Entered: 7:59:06
